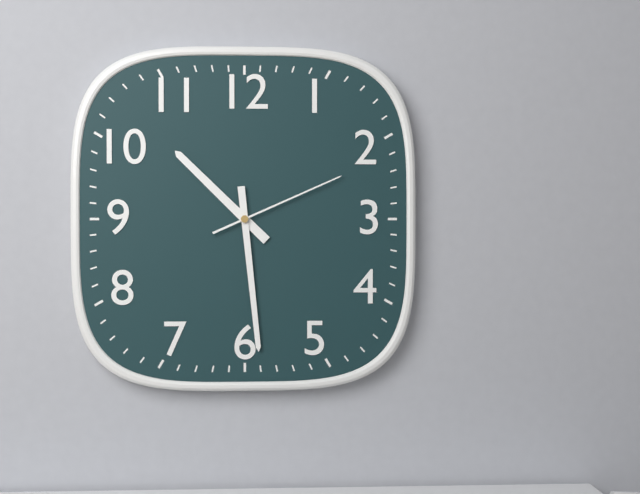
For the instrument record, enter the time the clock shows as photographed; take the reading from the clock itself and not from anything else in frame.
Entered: 10:29:11
